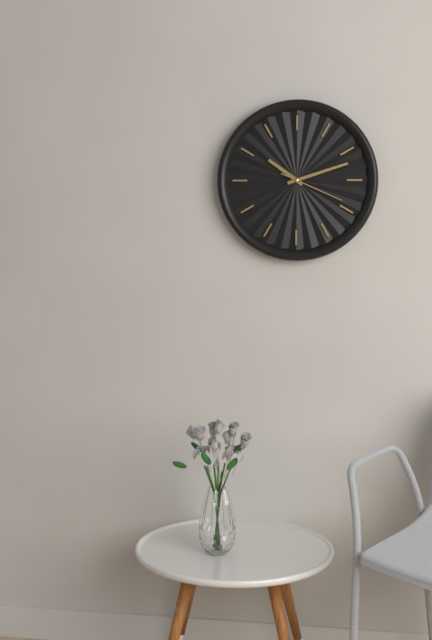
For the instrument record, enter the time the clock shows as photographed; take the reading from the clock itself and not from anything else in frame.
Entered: 10:12:19
